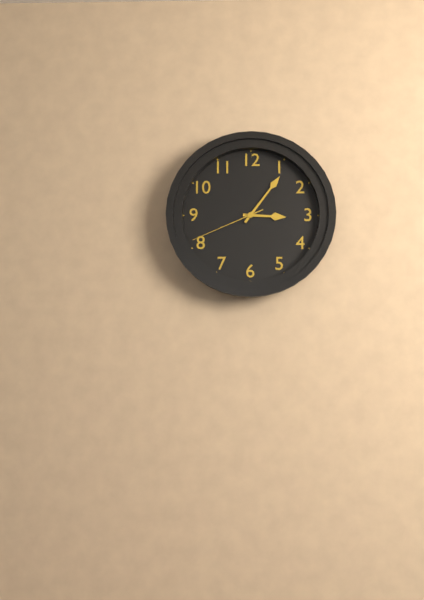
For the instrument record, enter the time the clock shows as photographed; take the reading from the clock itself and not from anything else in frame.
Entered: 3:06:41
